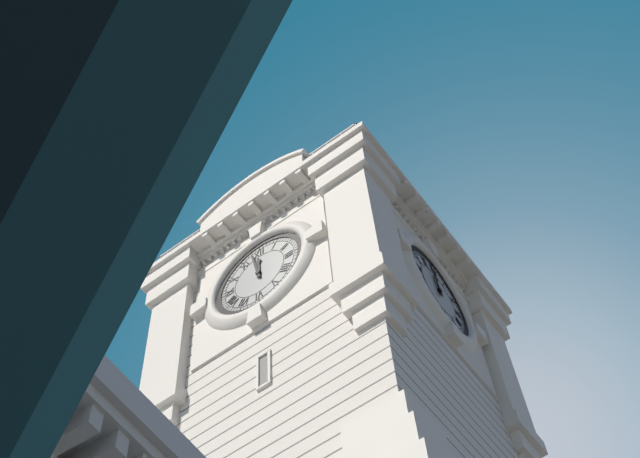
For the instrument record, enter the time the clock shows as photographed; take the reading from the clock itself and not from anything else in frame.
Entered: 11:58
